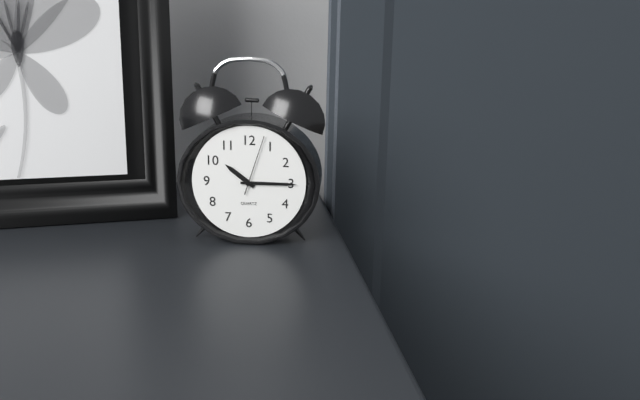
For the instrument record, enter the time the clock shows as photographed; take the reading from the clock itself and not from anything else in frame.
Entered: 10:15:03
